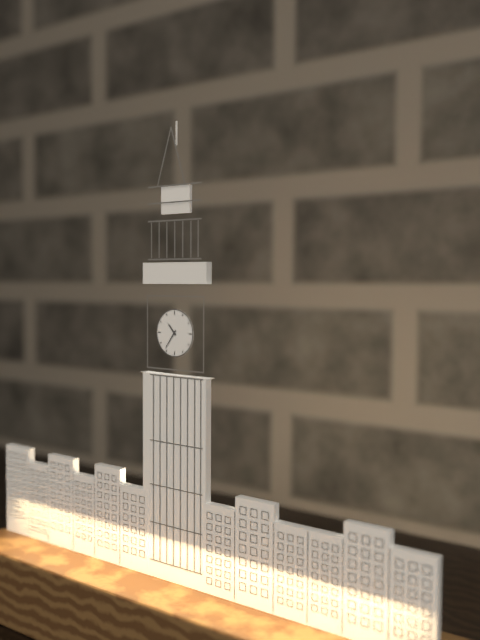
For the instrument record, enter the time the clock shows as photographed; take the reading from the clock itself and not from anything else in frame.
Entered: 10:36
